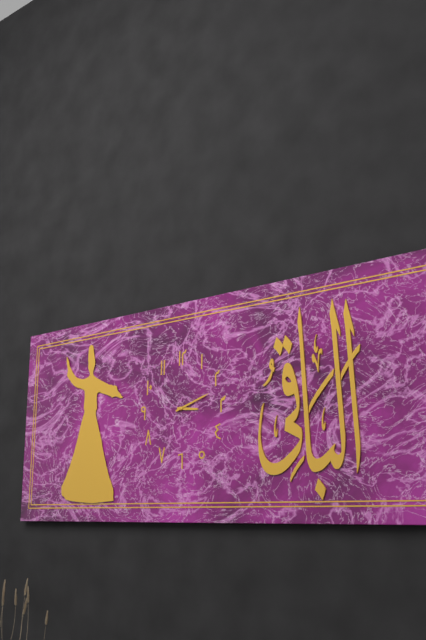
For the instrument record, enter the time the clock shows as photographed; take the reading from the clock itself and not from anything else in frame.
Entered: 3:12
